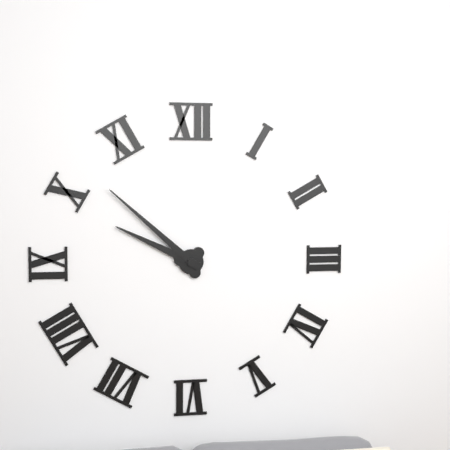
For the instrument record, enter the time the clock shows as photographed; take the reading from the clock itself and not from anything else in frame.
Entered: 9:52
